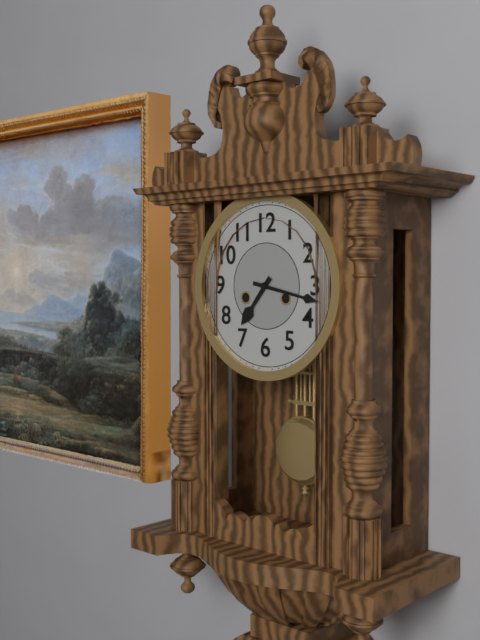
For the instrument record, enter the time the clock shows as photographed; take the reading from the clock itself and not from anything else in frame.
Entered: 7:17
